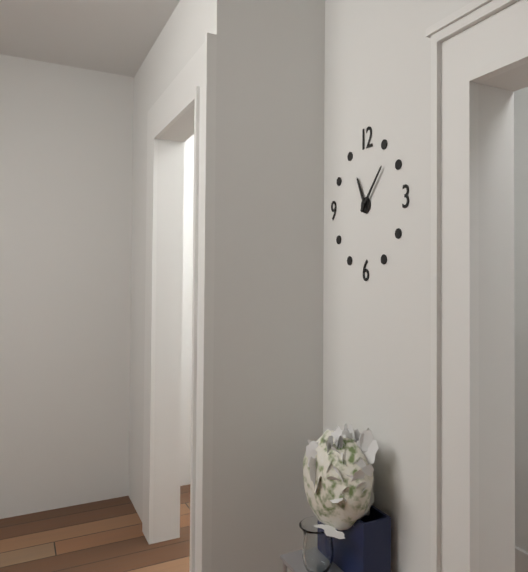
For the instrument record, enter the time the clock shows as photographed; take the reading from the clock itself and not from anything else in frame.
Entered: 11:07
